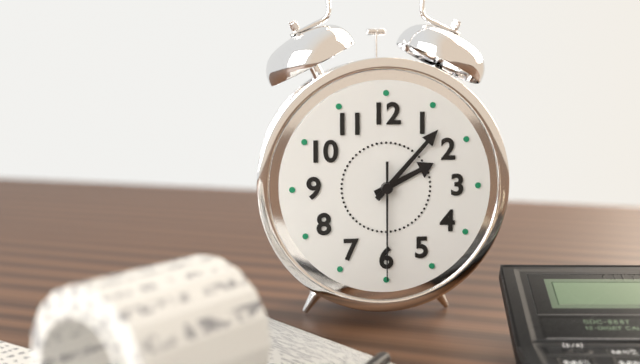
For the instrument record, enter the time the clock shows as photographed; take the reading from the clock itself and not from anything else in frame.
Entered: 2:07:30
